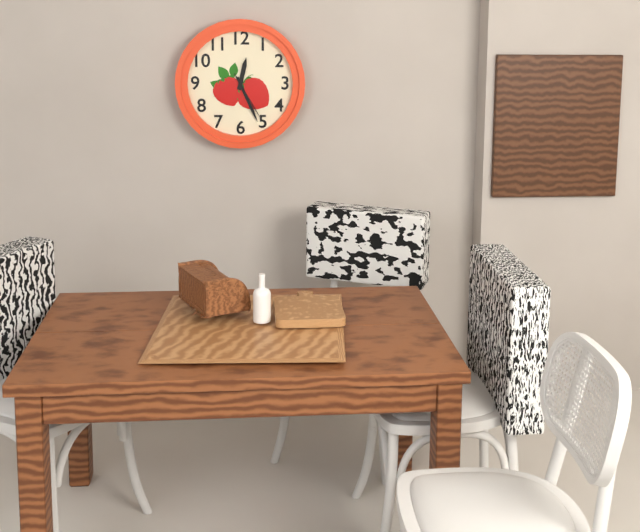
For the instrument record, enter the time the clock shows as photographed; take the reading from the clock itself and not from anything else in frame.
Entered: 12:26:25
